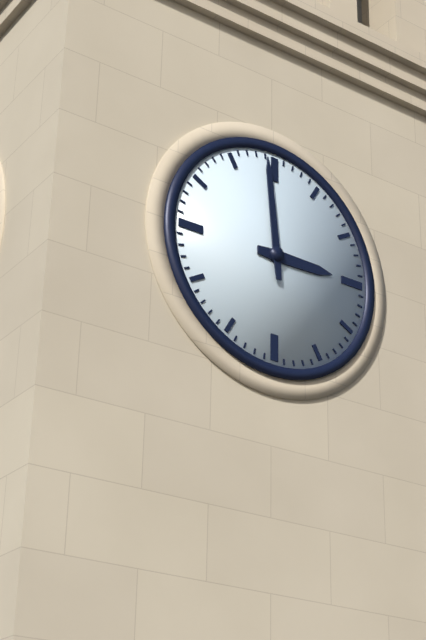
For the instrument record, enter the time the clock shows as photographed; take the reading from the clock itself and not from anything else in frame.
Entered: 2:59
